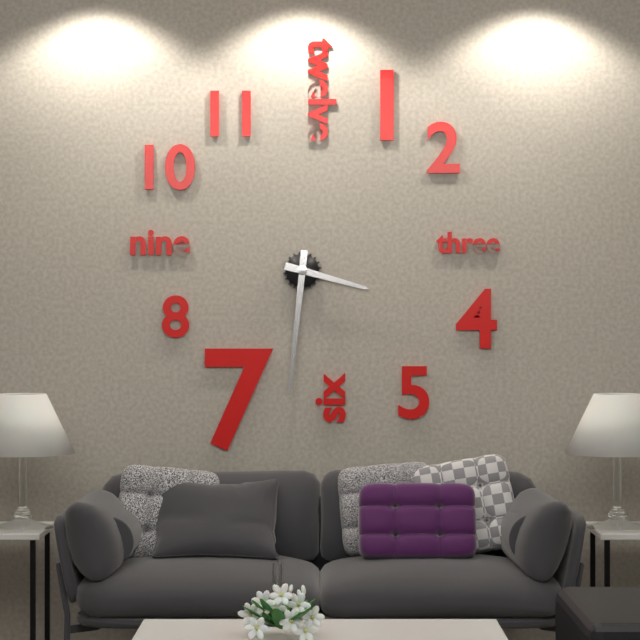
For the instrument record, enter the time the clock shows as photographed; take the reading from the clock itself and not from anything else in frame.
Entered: 3:31
